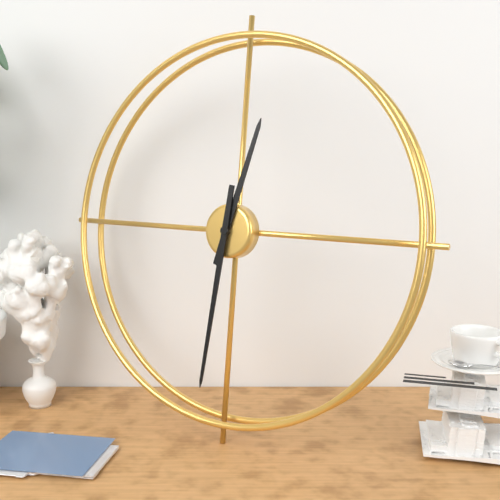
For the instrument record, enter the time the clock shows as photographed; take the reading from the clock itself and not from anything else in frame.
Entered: 12:31
